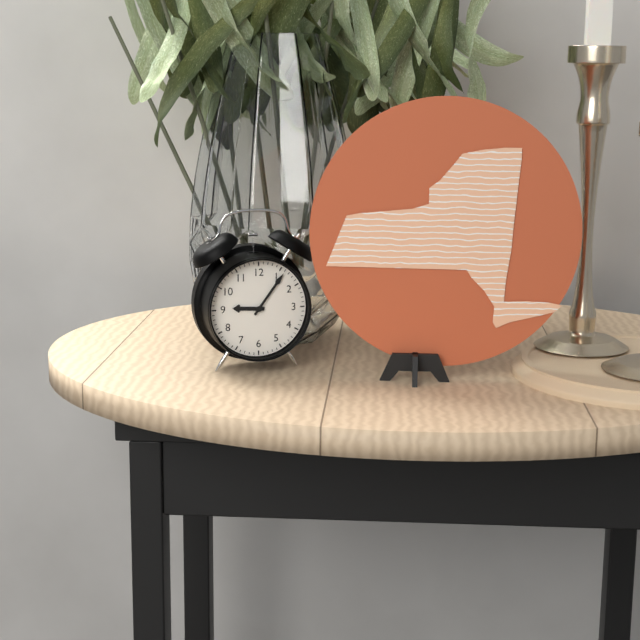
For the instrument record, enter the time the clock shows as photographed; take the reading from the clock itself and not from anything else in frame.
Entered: 9:06
